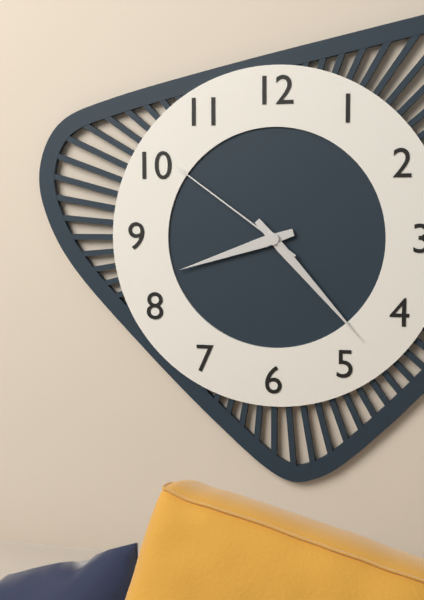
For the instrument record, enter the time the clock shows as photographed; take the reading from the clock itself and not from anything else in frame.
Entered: 8:23:51
